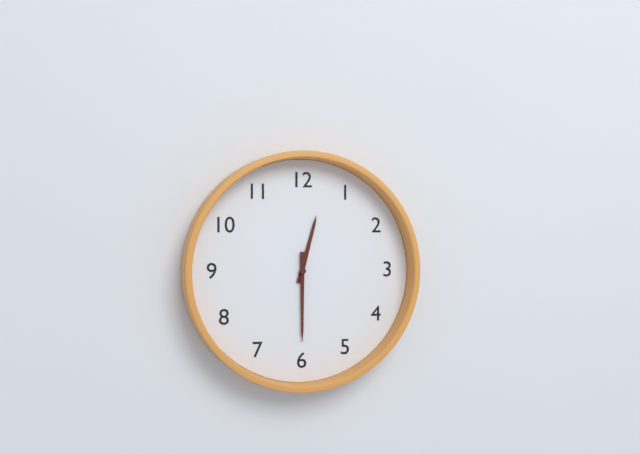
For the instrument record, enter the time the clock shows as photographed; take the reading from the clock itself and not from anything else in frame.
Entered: 12:30
